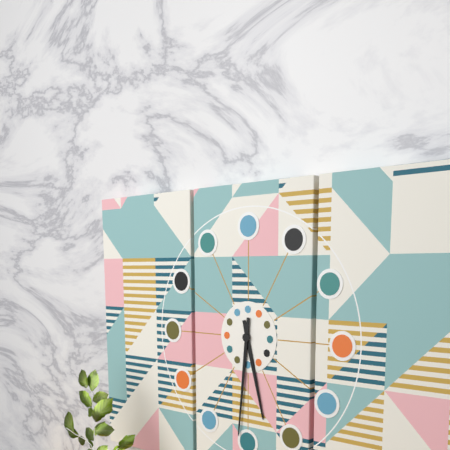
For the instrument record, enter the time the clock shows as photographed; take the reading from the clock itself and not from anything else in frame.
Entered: 5:31
